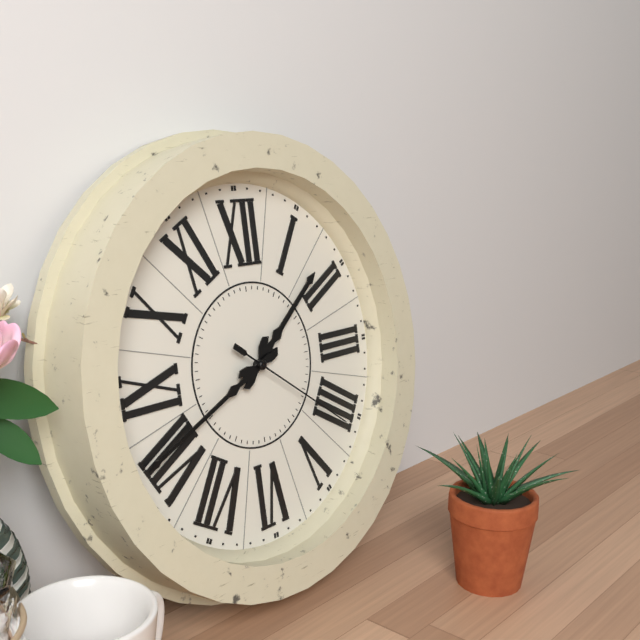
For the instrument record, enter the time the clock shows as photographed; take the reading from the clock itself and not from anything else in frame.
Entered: 1:41:21
